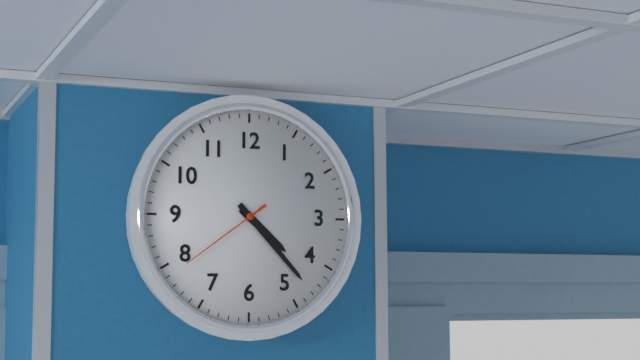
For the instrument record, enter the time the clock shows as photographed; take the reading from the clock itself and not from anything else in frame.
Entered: 4:23:39
